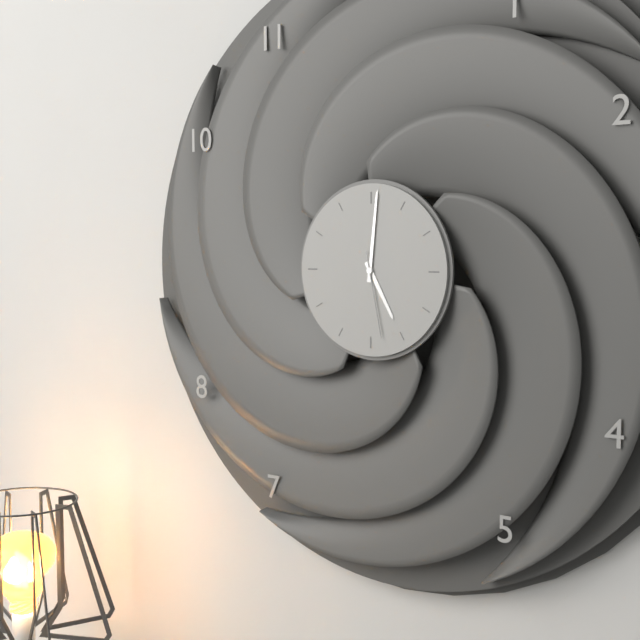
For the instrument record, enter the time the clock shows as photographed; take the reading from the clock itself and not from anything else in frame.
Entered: 5:01:28
